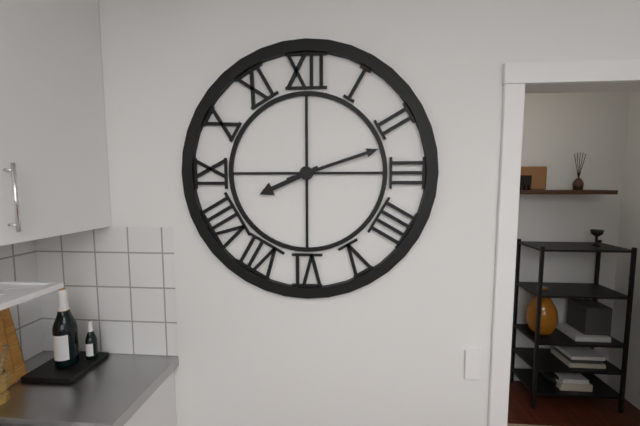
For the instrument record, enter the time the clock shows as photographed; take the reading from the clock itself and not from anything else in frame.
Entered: 8:12
